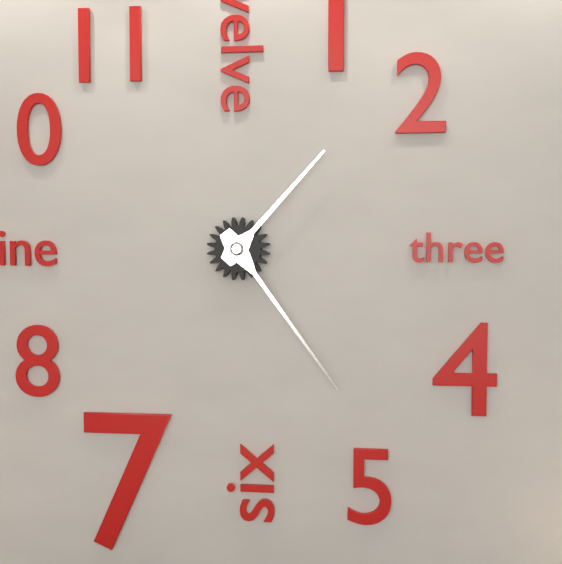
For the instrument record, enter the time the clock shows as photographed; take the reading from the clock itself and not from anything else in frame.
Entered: 1:24
